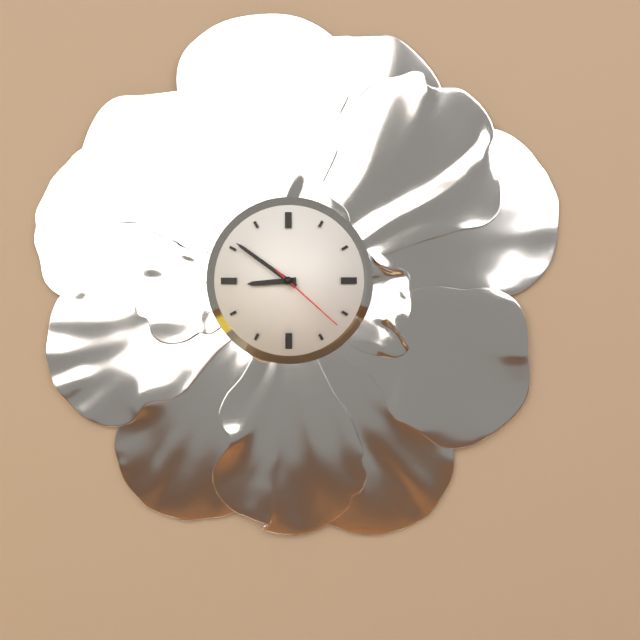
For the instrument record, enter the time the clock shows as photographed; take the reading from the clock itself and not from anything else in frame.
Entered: 8:51:22
